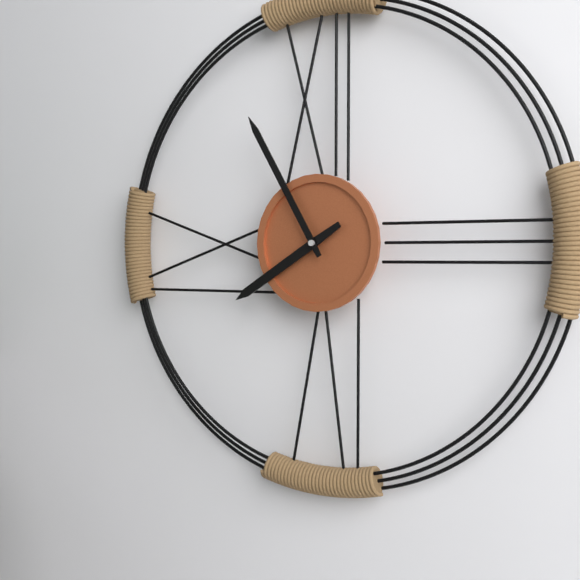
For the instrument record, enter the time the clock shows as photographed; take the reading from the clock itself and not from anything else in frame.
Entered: 7:55
